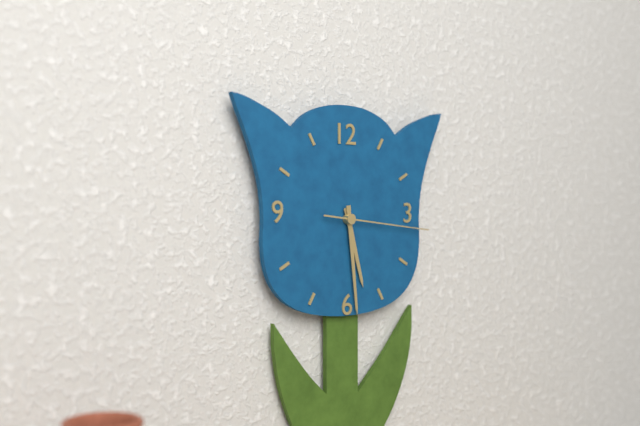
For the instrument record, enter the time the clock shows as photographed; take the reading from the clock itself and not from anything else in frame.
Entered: 5:29:16
